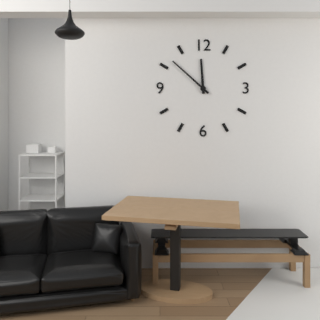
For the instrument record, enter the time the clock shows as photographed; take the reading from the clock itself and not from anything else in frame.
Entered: 11:52
